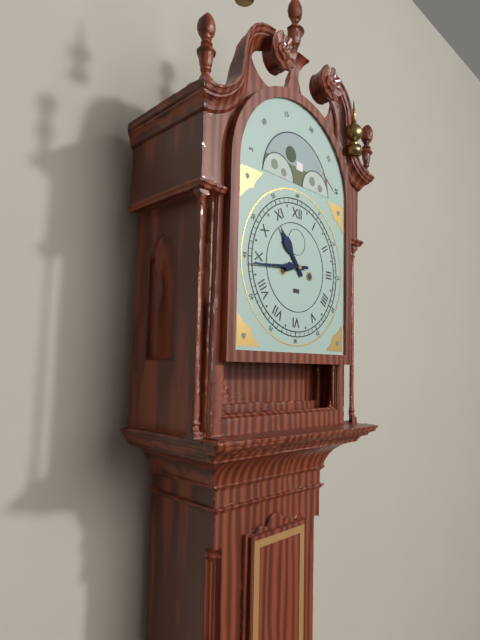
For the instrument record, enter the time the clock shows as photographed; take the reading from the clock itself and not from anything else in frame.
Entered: 10:44
